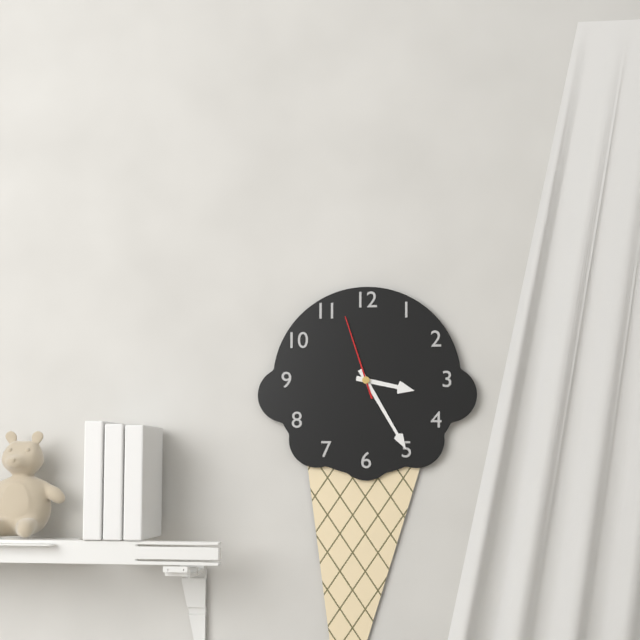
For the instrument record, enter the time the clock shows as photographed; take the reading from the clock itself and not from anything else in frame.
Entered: 3:25:57
